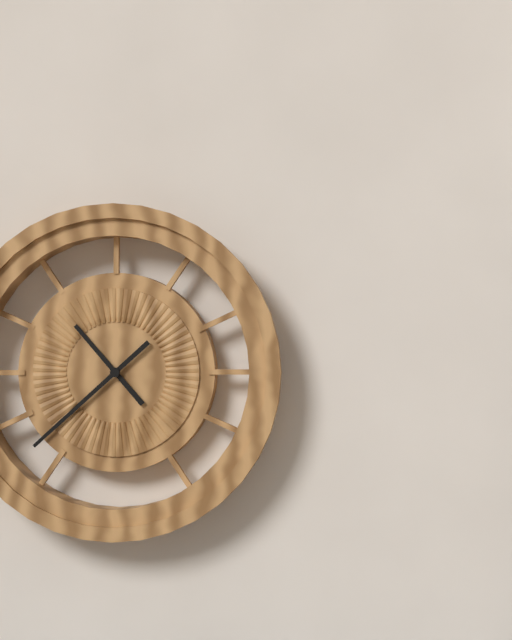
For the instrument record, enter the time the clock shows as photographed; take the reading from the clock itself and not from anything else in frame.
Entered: 10:38
